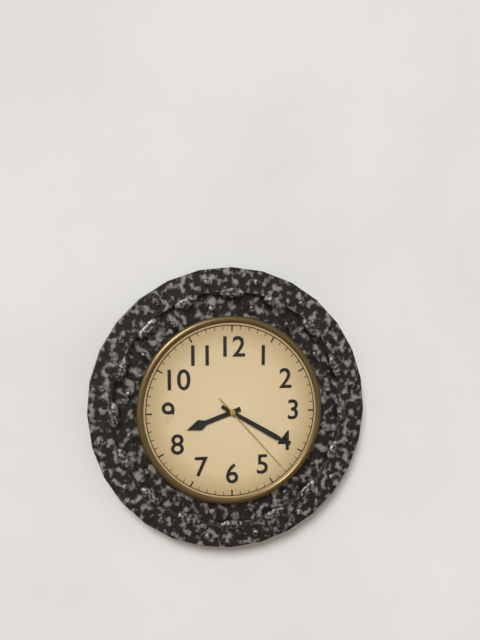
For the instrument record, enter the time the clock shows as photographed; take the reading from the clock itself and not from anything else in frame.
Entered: 8:20:23
